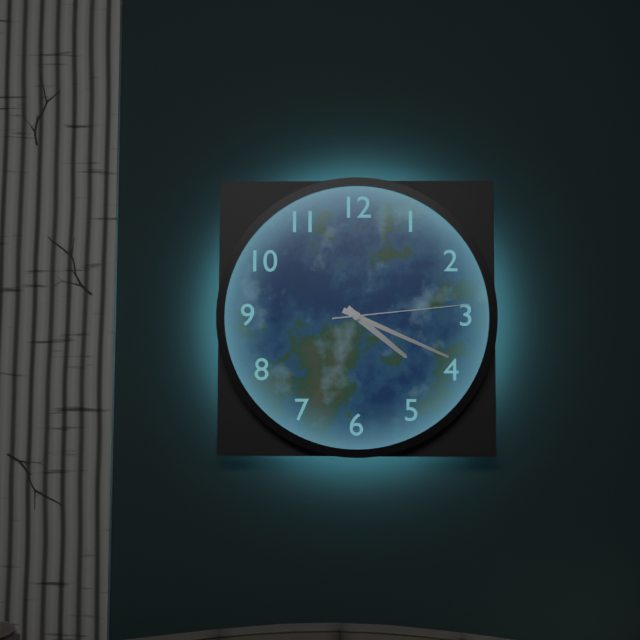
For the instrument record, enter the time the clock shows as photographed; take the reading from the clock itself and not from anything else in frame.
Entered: 4:19:14
